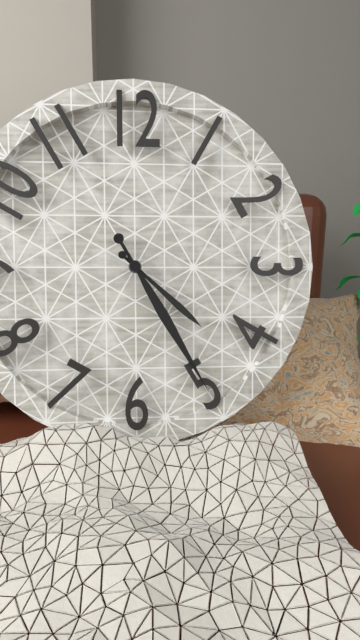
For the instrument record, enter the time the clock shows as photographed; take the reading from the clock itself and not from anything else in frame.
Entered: 4:25
